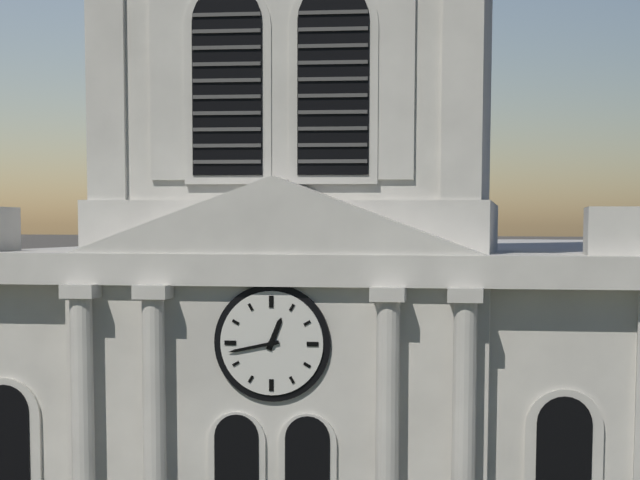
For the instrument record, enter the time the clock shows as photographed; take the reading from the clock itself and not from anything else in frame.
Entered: 12:43
